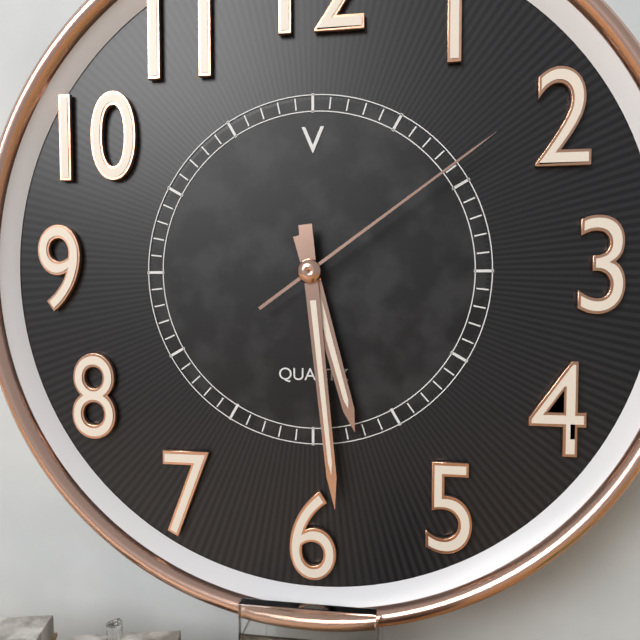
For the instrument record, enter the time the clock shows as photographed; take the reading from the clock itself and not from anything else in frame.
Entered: 5:29:09
